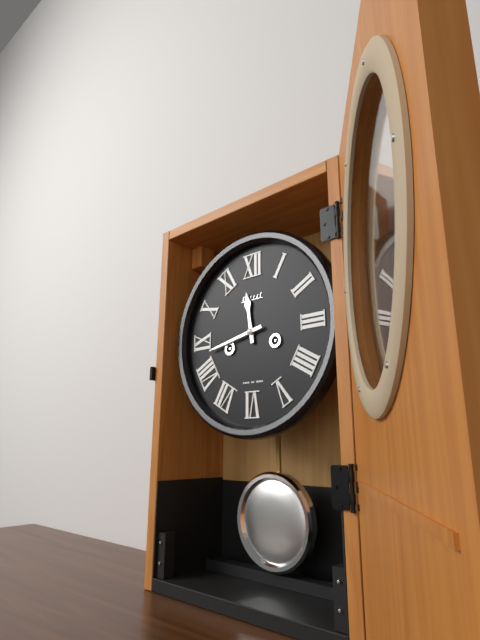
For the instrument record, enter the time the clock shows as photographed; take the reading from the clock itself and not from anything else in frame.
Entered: 11:43
